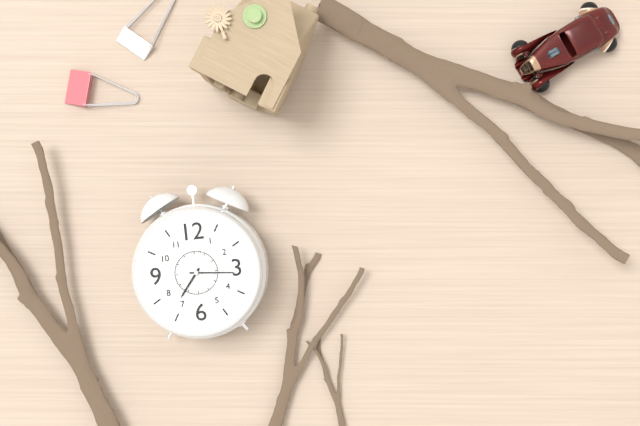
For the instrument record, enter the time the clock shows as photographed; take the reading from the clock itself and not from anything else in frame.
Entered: 7:16
